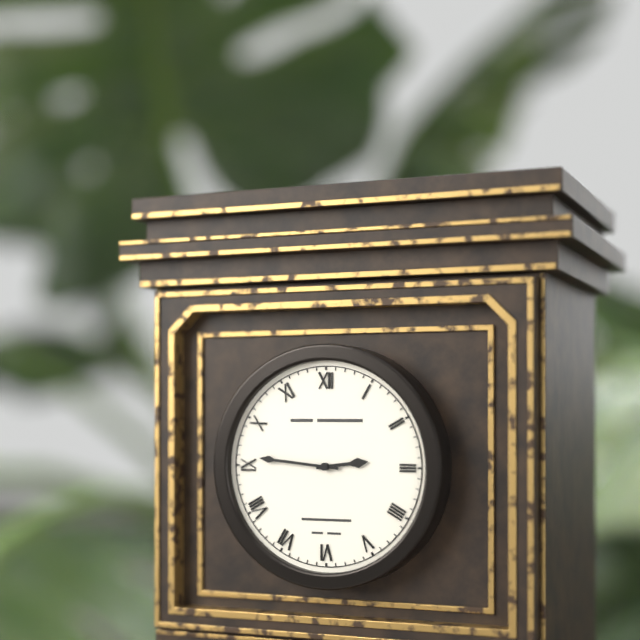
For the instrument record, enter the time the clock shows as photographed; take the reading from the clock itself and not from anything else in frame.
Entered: 2:46
